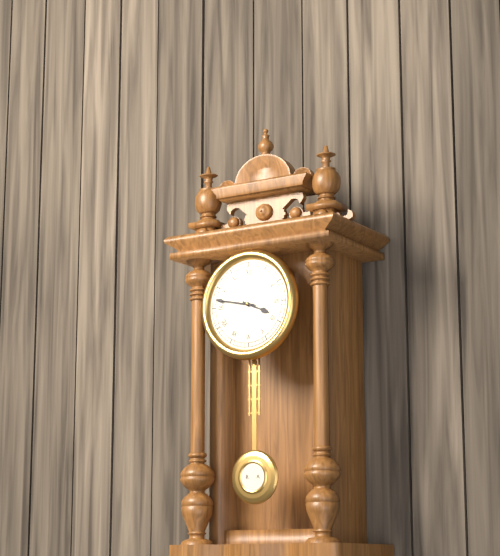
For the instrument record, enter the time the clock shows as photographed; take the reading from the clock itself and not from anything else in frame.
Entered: 3:47
